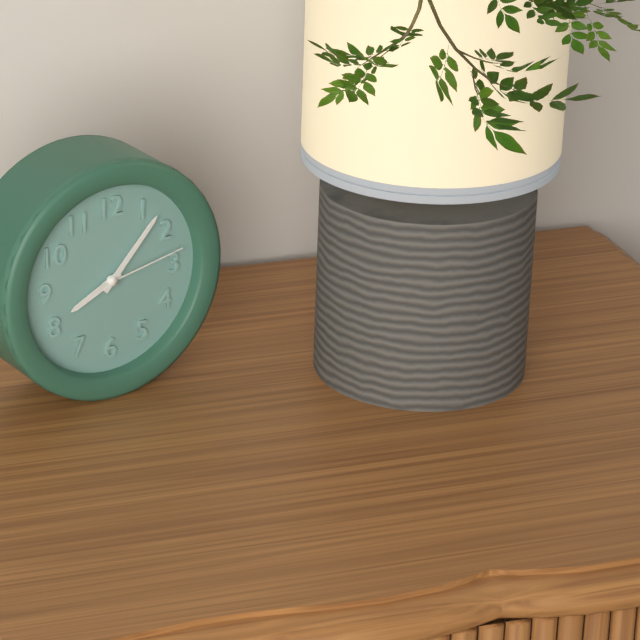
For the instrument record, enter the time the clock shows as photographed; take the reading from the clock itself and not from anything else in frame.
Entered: 8:07:13
